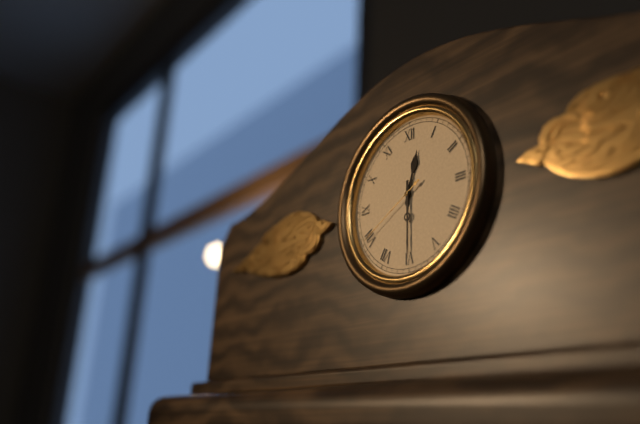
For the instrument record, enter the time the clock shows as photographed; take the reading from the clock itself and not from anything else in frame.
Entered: 12:30:40
